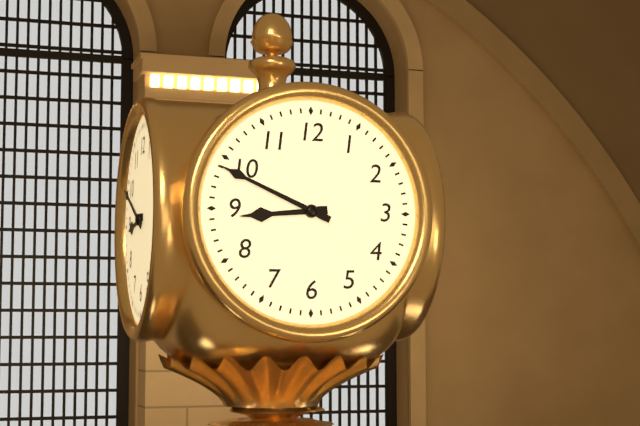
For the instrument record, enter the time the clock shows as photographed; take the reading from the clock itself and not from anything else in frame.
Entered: 8:49
